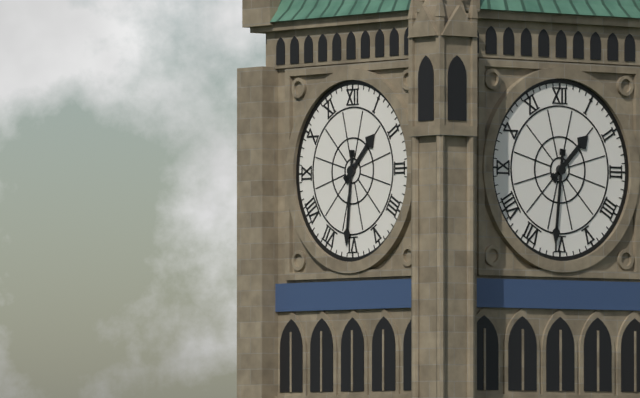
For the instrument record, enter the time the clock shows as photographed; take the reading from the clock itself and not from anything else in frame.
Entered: 1:31
